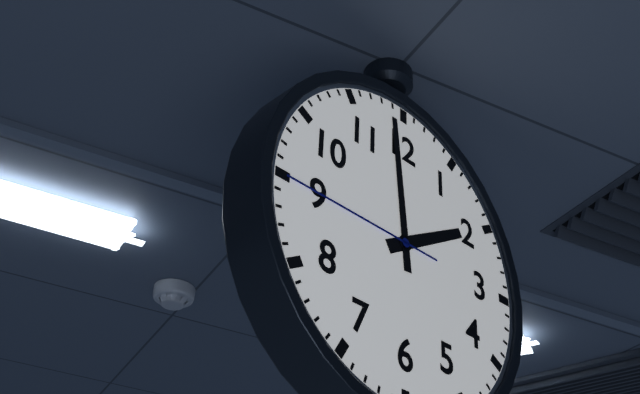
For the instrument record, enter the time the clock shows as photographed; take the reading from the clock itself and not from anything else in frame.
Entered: 1:59:45
